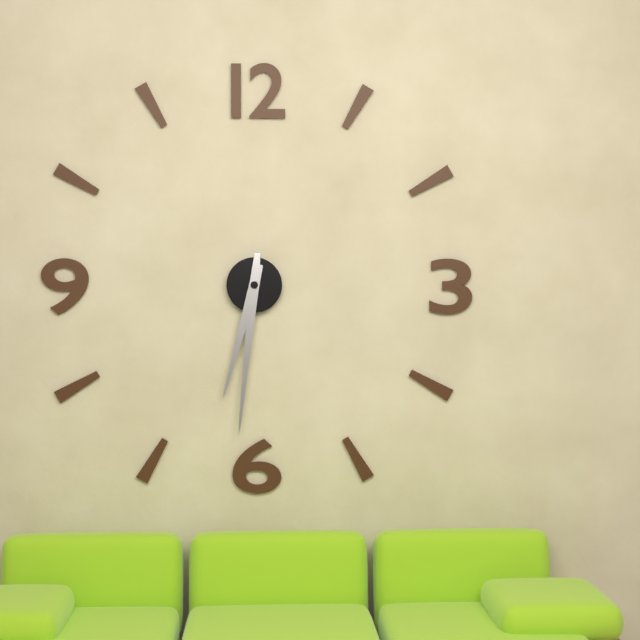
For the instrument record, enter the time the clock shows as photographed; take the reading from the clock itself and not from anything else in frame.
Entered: 6:31
